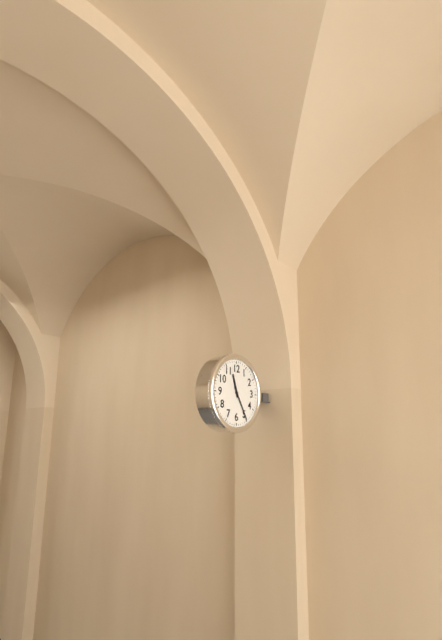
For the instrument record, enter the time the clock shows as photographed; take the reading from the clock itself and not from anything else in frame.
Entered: 11:25
